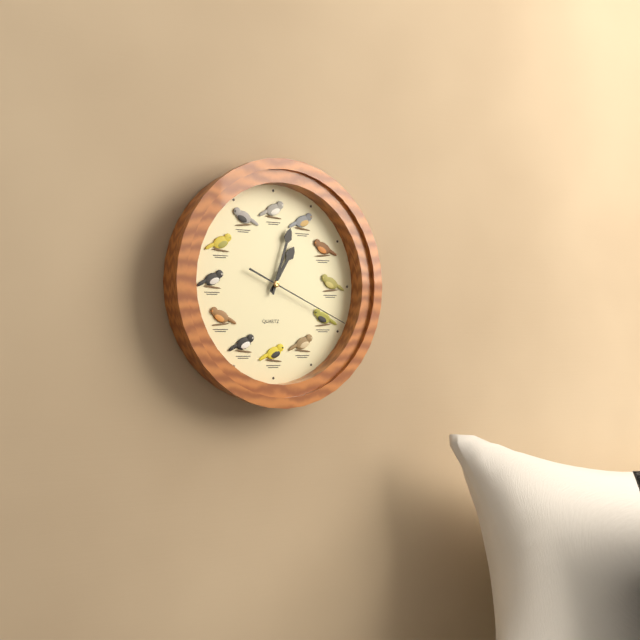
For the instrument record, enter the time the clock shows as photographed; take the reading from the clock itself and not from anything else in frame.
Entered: 1:03:19
